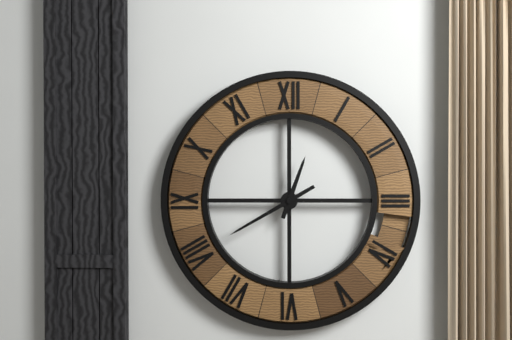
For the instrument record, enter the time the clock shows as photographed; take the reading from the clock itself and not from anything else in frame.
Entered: 12:40
